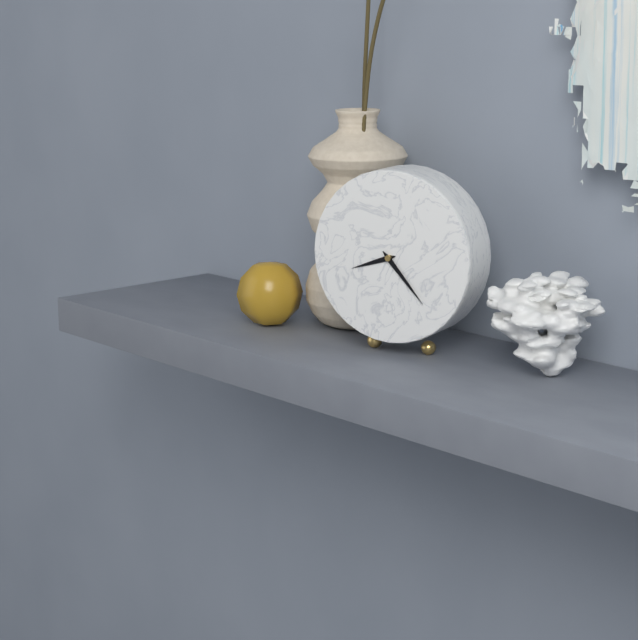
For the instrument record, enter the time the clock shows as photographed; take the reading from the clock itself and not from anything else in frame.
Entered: 8:23
